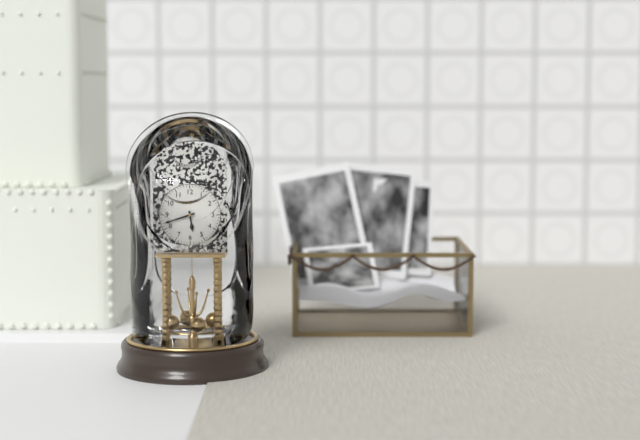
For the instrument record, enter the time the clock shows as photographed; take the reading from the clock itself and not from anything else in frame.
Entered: 5:42
